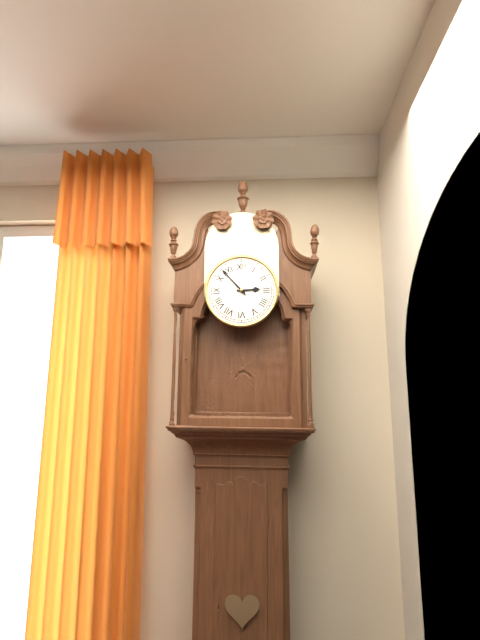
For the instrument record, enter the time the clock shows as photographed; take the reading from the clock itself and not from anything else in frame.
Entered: 2:53
